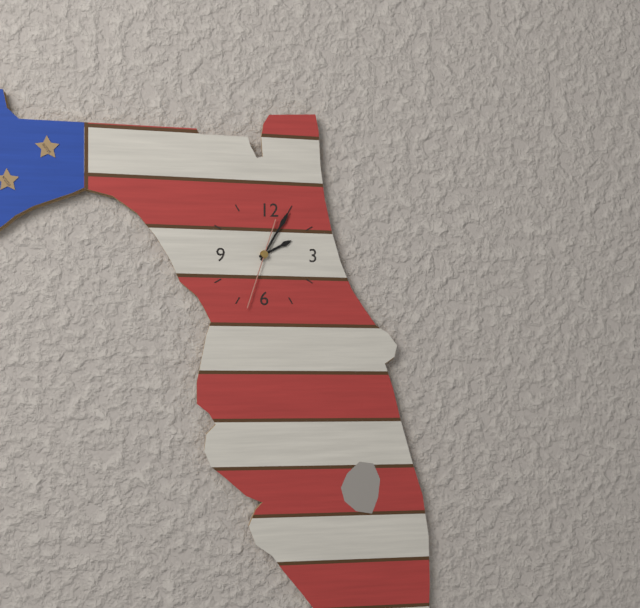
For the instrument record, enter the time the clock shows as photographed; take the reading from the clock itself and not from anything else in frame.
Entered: 2:05:33
